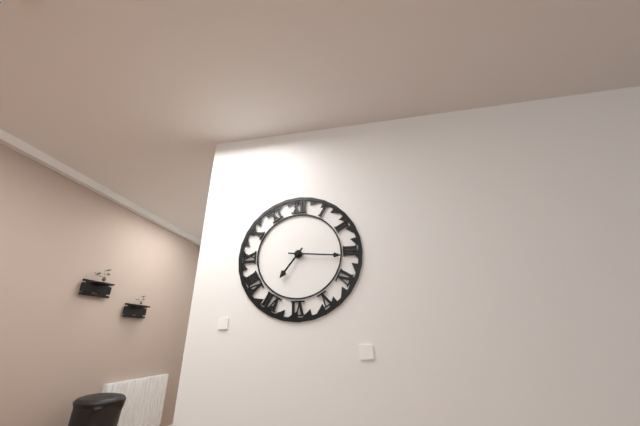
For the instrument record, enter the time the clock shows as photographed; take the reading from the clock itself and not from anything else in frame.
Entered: 7:16
